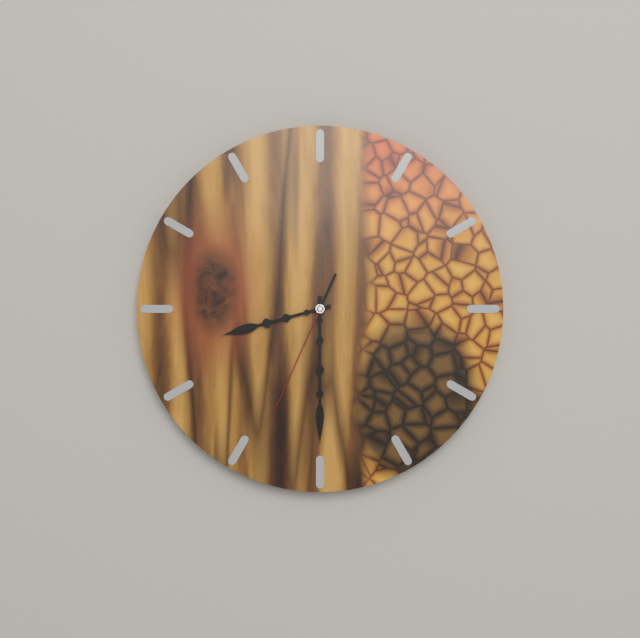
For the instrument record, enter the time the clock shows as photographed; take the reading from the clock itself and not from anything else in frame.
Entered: 8:30:34
